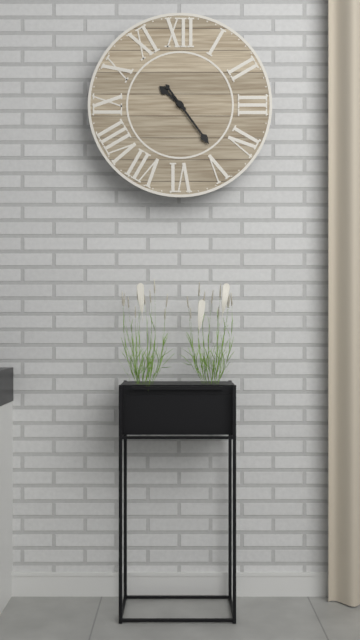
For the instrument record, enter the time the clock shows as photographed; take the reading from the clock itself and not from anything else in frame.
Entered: 10:24
